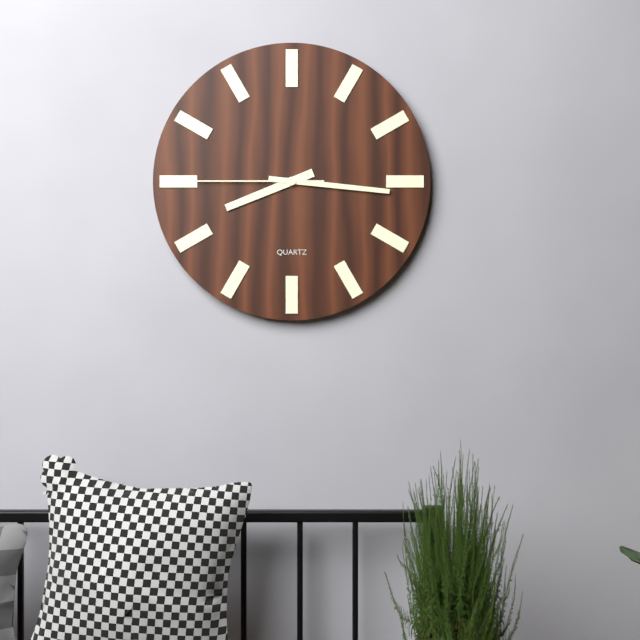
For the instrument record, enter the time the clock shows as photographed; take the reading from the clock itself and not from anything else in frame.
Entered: 8:16:45
